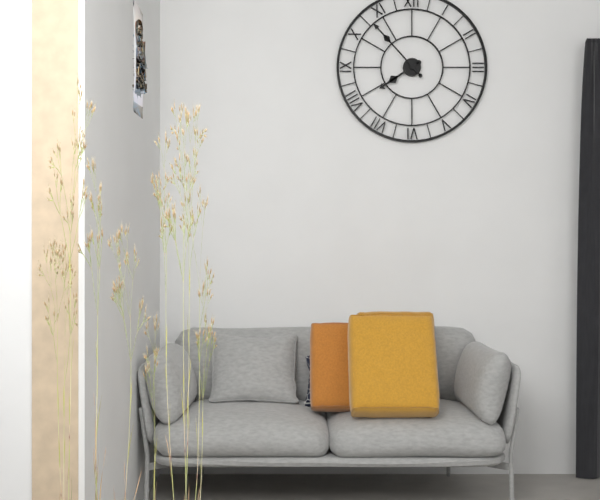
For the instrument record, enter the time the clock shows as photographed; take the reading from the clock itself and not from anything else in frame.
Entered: 7:53
